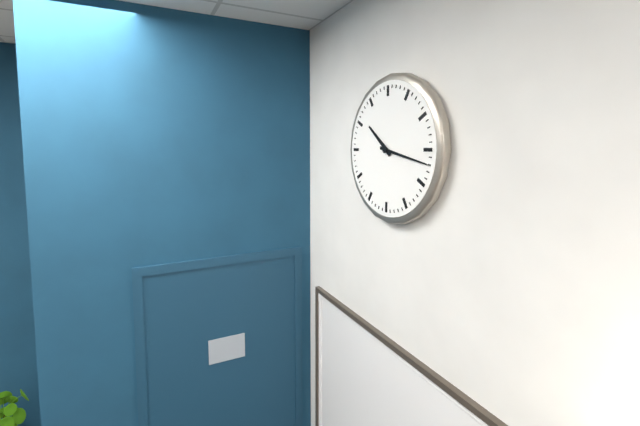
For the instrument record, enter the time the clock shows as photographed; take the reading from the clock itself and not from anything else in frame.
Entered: 10:17
